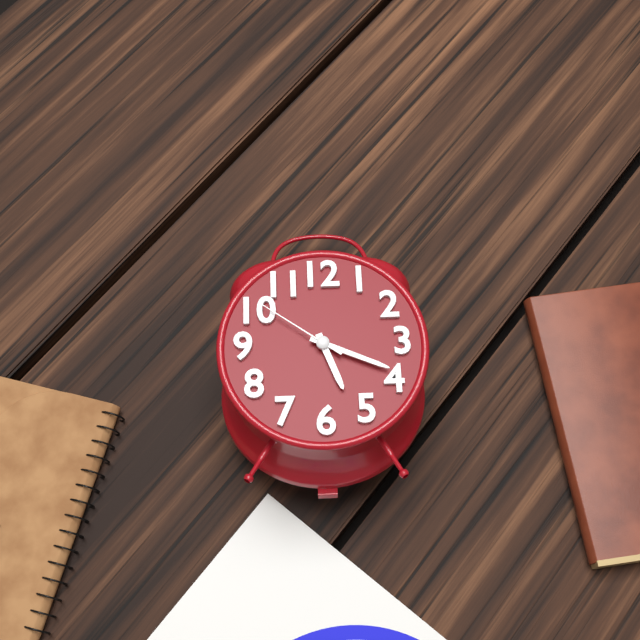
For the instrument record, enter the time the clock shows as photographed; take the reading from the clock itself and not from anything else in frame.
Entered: 5:19:51
